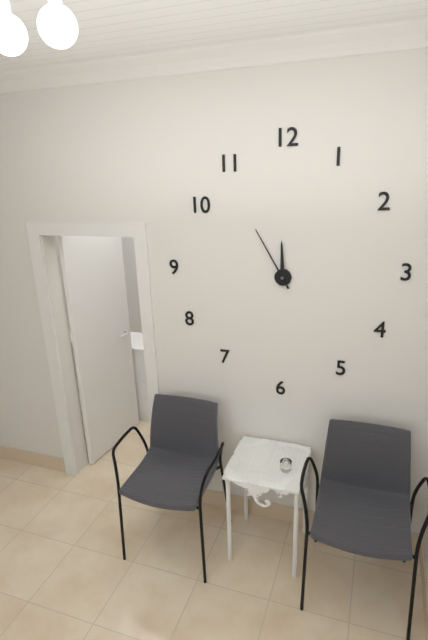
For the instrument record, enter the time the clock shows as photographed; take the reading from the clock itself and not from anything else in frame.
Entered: 11:55
